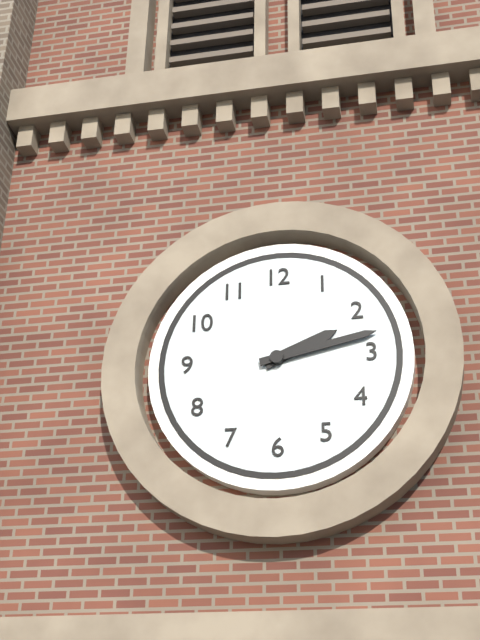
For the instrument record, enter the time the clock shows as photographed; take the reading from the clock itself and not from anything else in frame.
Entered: 2:13
